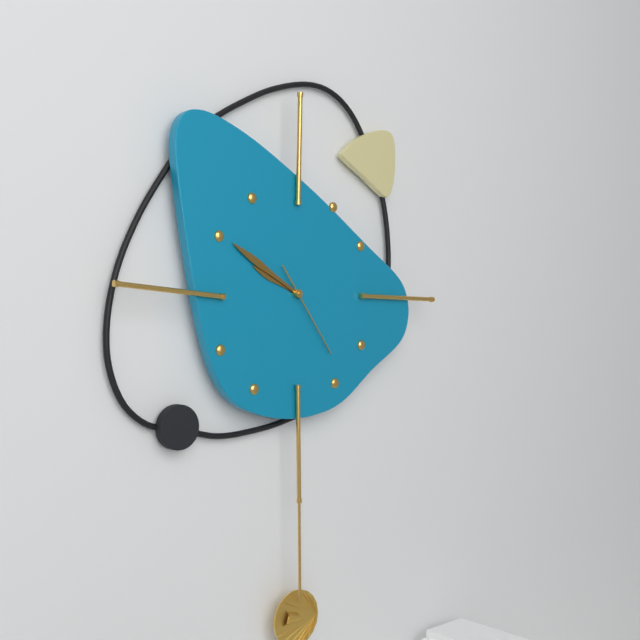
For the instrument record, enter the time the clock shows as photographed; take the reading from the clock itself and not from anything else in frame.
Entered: 9:50:24
